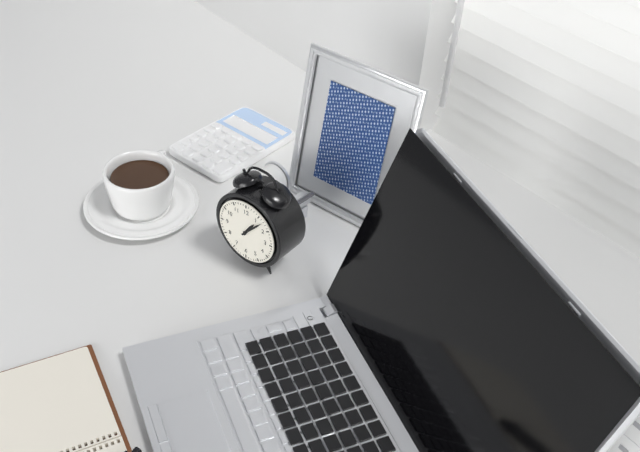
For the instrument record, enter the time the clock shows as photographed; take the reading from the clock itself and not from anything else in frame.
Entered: 1:07
